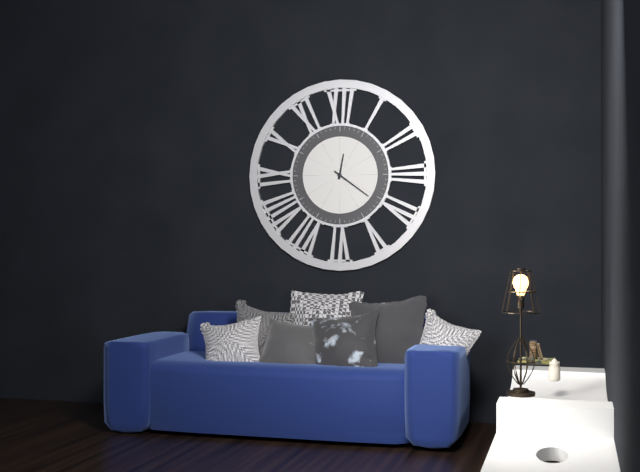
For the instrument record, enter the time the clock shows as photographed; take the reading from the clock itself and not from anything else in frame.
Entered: 12:21
